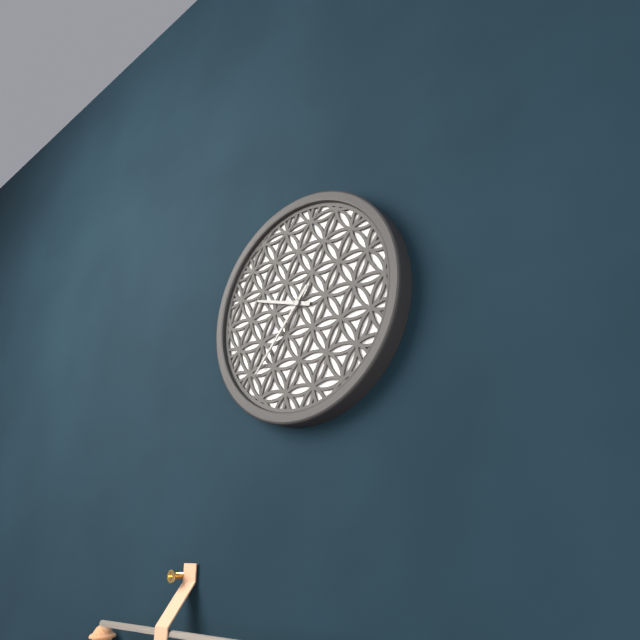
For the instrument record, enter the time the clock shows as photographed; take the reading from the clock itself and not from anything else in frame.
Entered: 9:37
